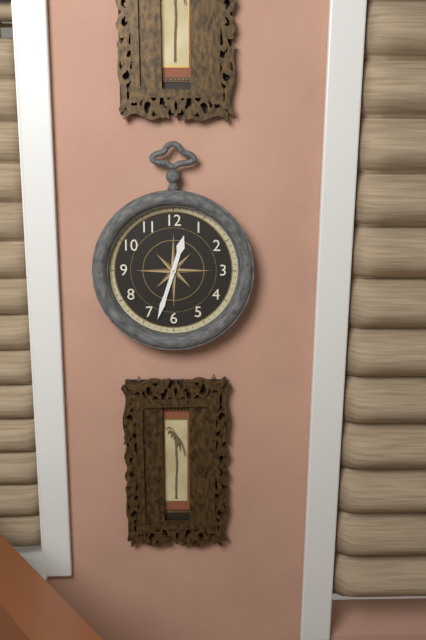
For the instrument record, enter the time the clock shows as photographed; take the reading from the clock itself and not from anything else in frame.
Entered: 12:33
